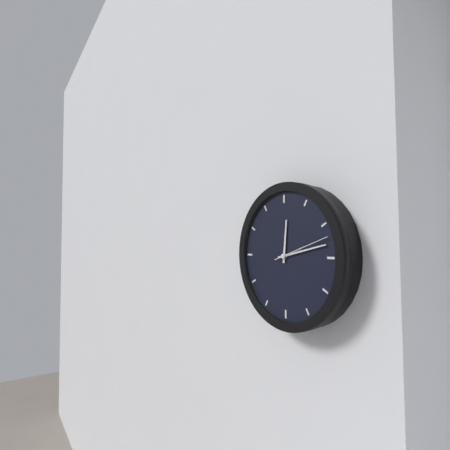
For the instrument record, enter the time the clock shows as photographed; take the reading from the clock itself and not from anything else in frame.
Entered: 12:13:12
